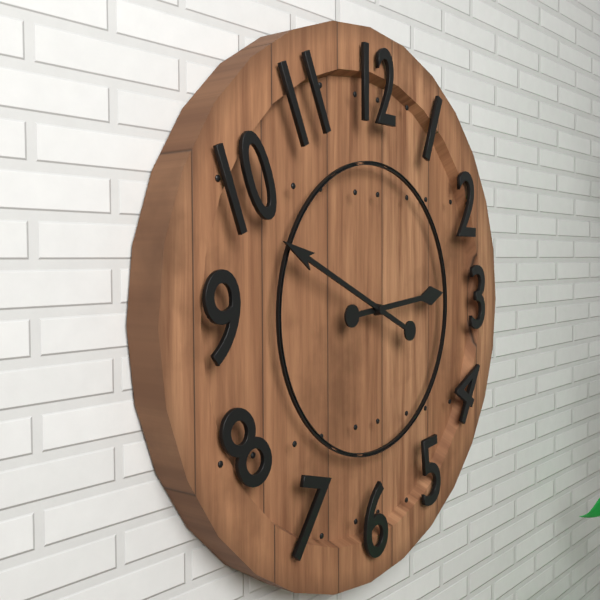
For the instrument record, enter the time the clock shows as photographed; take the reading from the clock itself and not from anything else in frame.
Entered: 2:49
